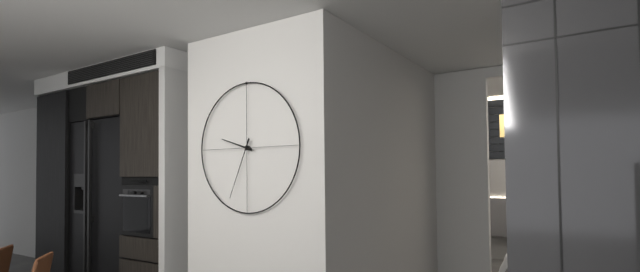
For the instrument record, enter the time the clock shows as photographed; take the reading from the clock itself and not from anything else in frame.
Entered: 9:34
